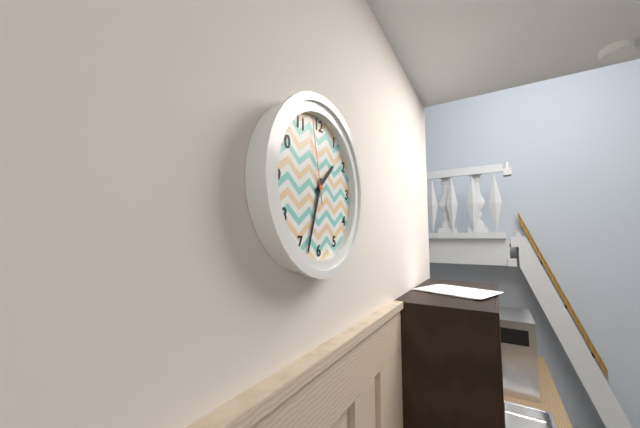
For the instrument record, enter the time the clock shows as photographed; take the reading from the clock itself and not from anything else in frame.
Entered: 1:33:58
